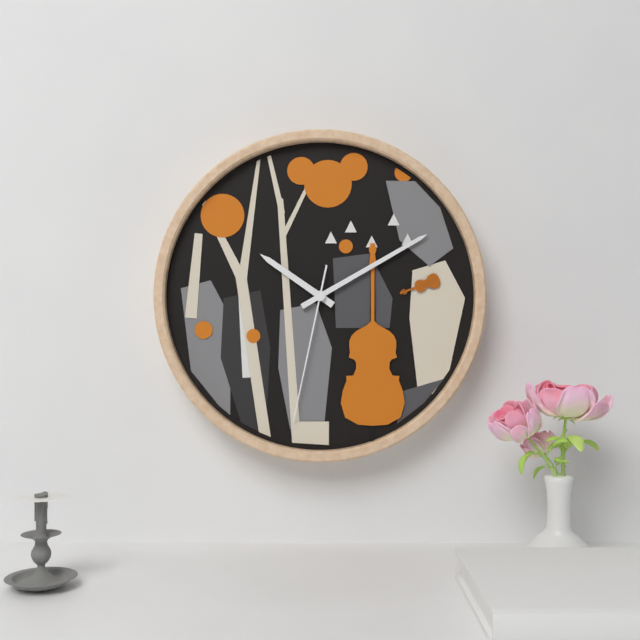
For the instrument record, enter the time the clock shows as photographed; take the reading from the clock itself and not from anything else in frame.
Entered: 10:10:32
